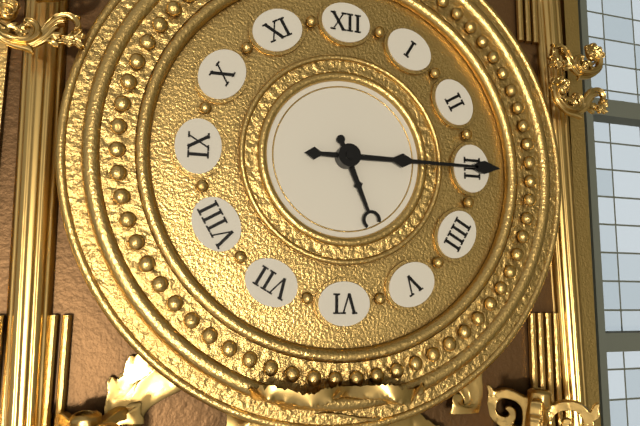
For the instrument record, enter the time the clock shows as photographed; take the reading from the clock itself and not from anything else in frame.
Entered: 5:15
